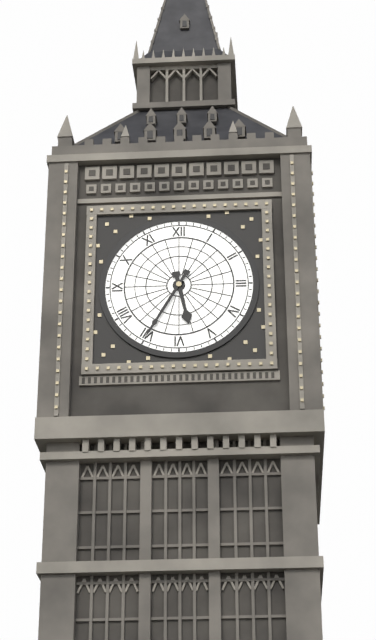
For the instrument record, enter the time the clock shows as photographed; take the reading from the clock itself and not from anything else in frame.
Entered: 5:35
